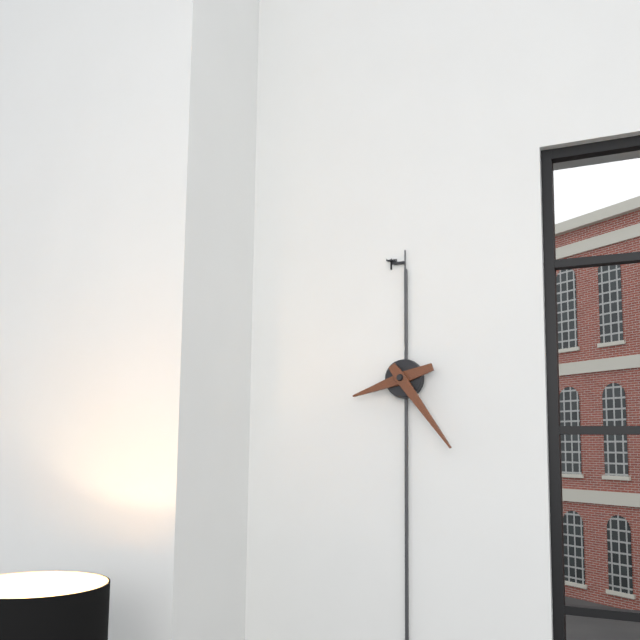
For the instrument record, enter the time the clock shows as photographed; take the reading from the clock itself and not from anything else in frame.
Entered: 8:24
